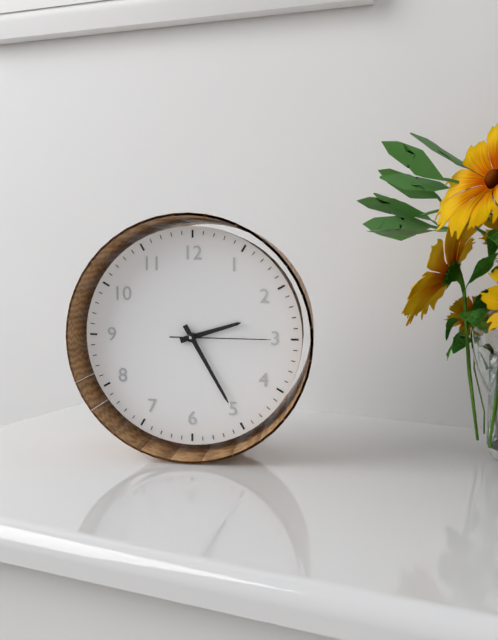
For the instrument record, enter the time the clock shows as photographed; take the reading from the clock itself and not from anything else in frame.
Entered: 2:25:15
